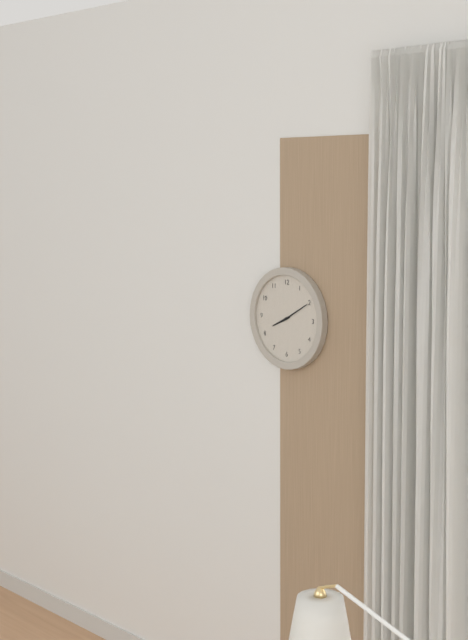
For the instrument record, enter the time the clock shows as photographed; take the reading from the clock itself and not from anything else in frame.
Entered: 8:10
